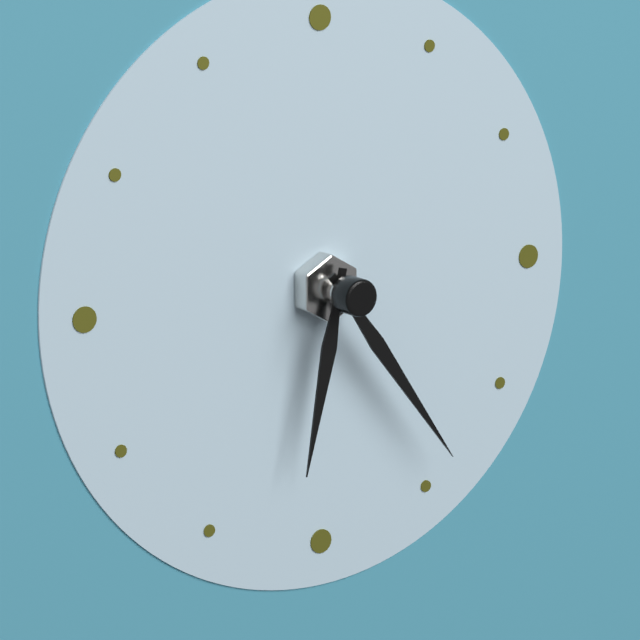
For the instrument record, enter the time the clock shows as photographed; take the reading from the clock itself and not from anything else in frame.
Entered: 6:24
